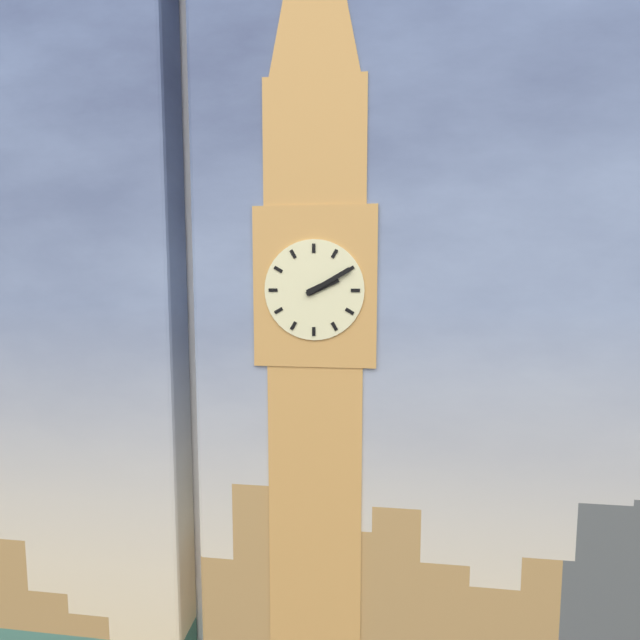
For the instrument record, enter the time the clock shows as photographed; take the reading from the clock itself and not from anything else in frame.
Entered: 2:10
